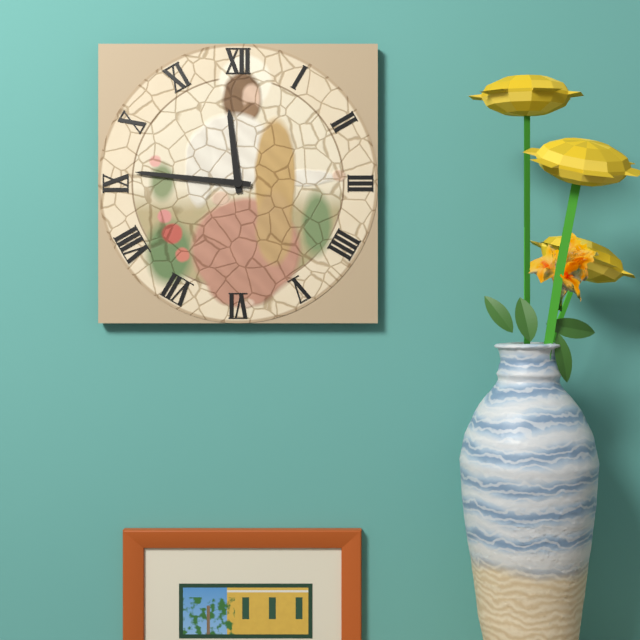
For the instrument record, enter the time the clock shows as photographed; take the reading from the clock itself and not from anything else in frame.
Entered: 11:46
